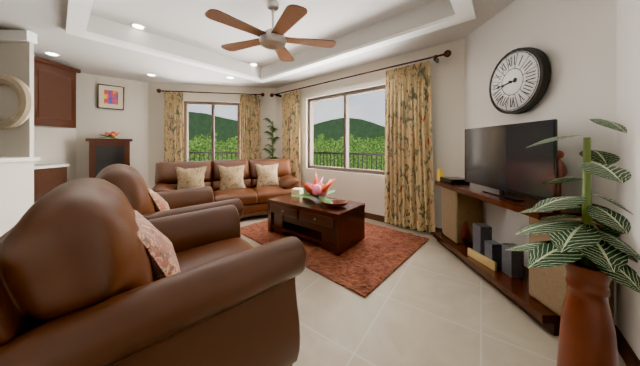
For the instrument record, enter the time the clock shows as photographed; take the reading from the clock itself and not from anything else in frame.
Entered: 8:44
